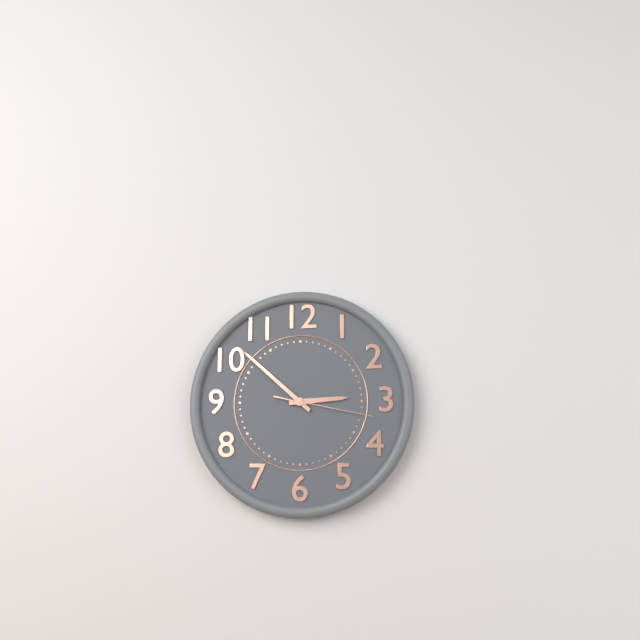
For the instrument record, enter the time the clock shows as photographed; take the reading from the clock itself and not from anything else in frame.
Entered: 2:52:17
